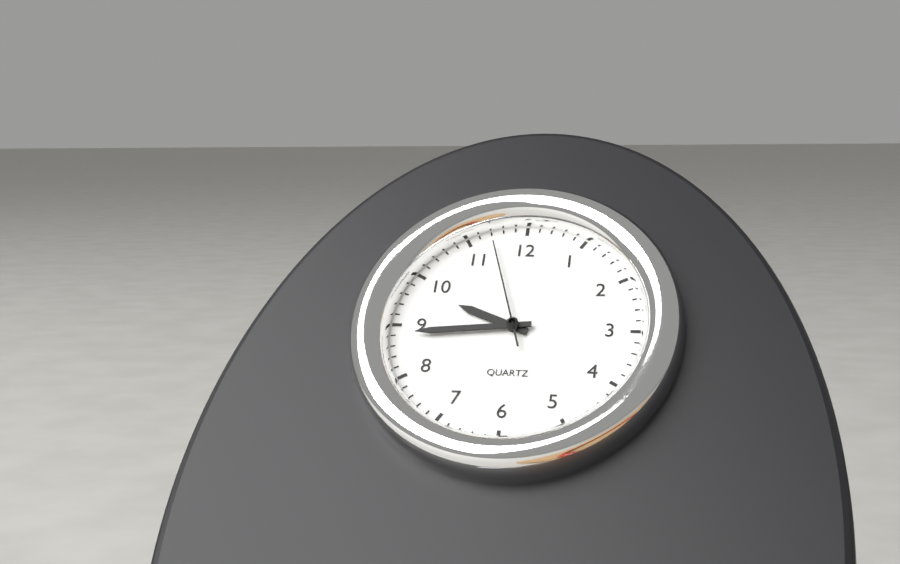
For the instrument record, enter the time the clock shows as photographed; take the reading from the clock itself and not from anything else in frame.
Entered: 9:44:57
